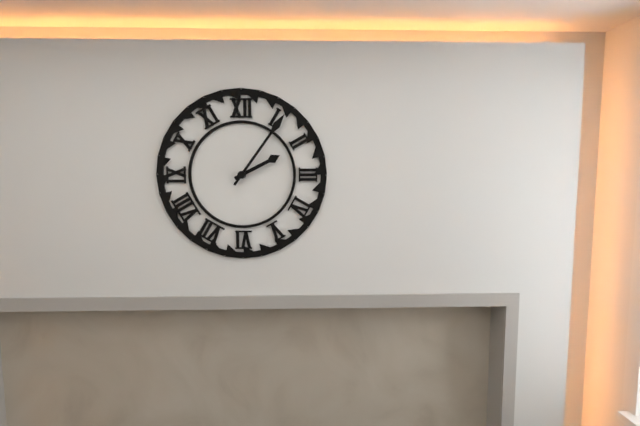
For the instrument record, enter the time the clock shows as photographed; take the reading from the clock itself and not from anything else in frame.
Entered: 2:06
